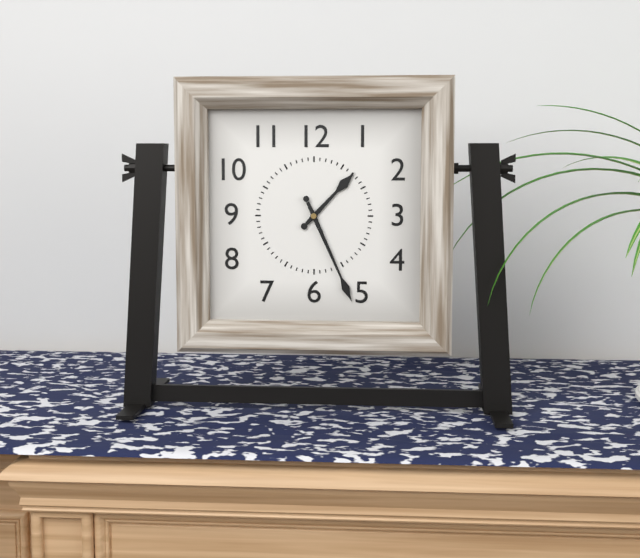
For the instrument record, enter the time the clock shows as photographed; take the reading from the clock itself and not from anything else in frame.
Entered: 1:26
